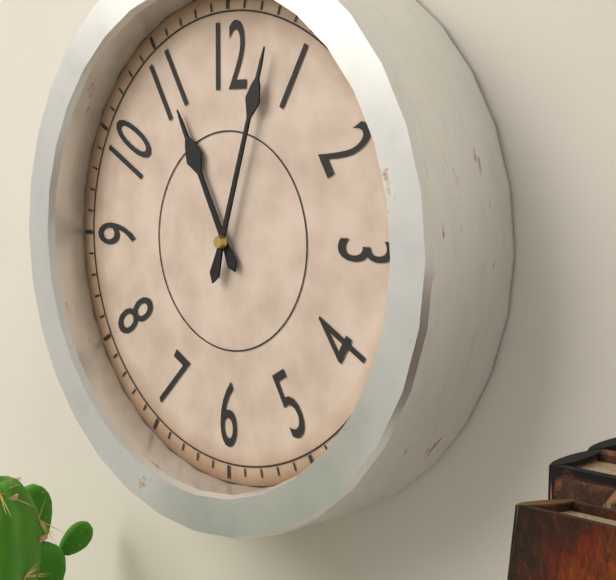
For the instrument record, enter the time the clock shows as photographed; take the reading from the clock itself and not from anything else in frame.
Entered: 11:03
